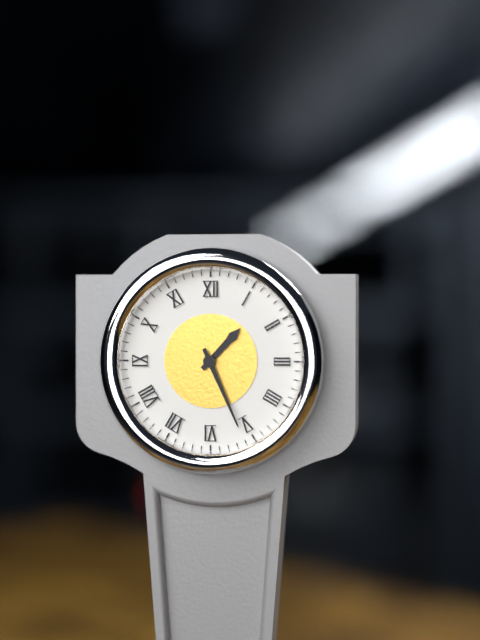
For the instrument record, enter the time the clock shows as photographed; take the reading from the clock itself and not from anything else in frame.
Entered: 1:26
